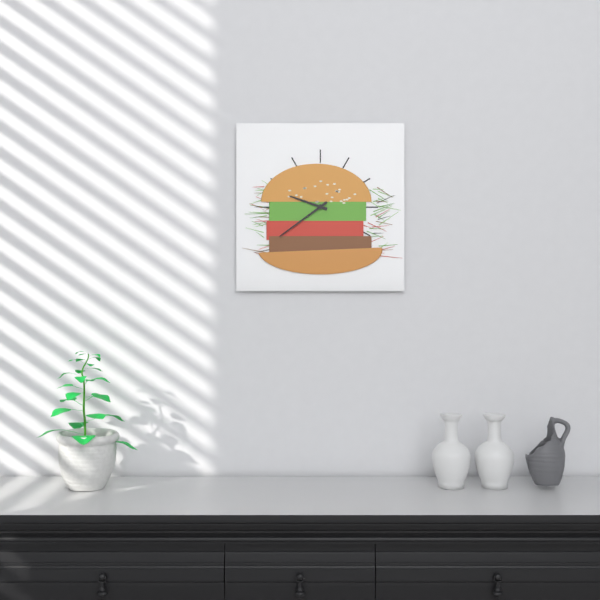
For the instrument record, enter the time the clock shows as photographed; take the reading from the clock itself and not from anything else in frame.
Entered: 9:39
